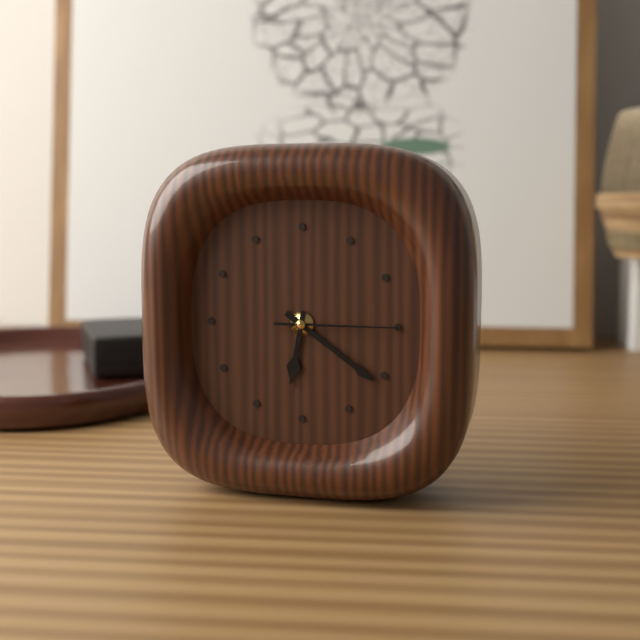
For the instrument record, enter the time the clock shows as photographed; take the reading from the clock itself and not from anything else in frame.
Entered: 6:21:15
